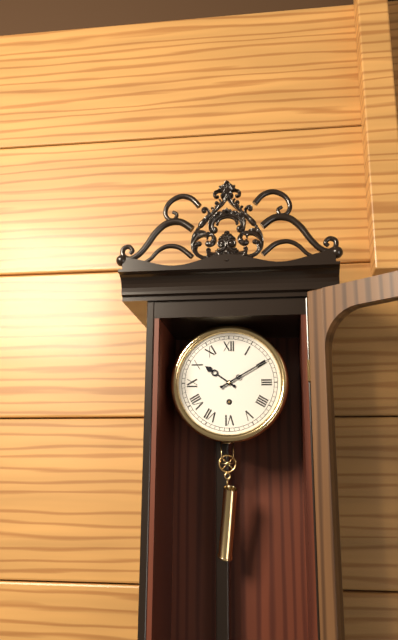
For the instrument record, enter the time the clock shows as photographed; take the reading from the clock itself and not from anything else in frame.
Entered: 10:10
